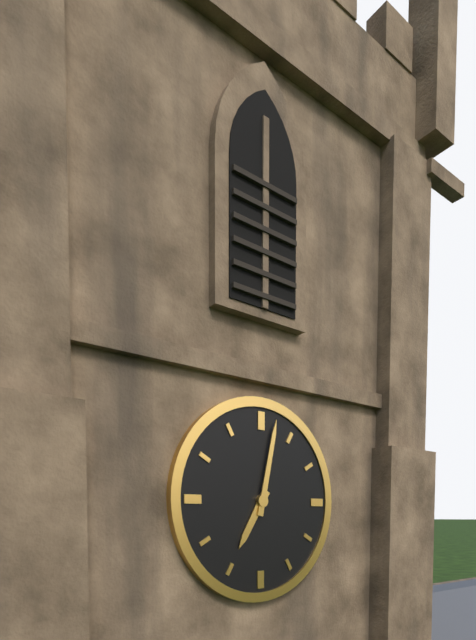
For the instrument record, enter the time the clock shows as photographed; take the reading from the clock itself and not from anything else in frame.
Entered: 7:02
